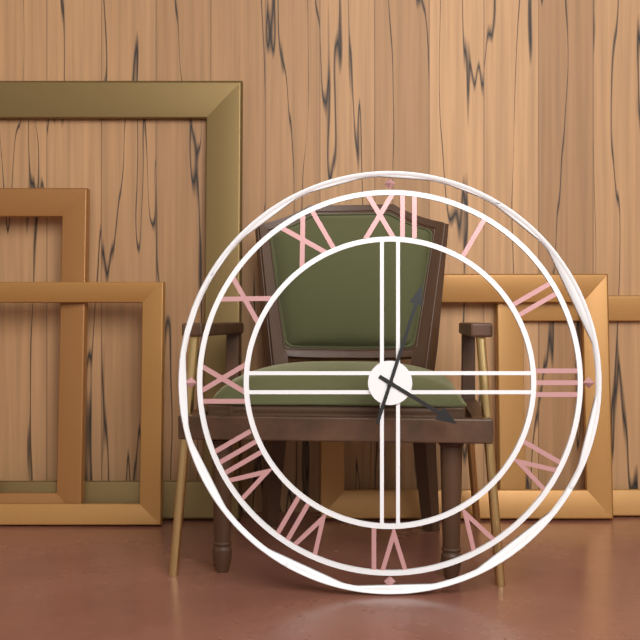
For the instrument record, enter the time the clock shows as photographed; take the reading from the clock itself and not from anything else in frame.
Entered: 4:03
